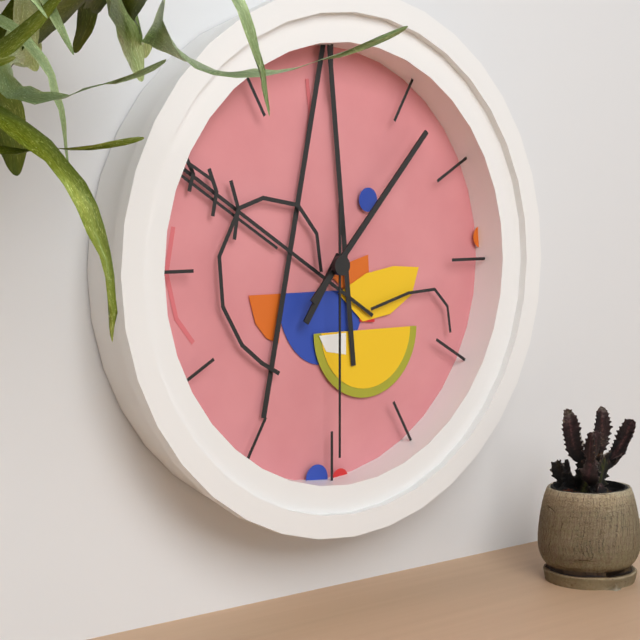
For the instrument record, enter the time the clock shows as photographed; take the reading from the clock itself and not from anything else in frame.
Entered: 7:07:30
